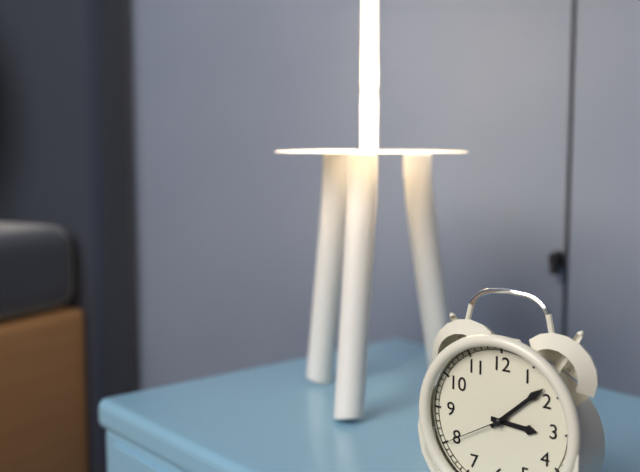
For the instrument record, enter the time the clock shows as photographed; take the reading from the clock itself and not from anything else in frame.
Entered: 3:08:40
